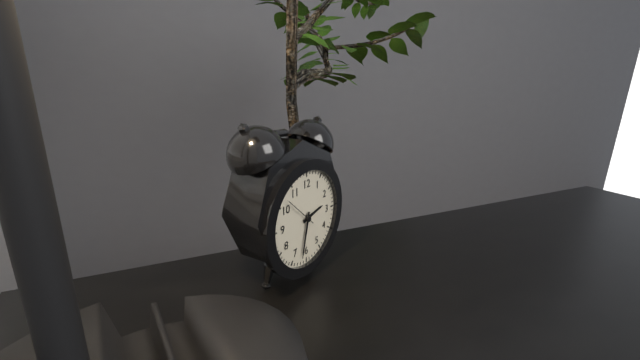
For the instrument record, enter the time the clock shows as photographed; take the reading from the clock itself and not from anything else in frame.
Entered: 2:32
